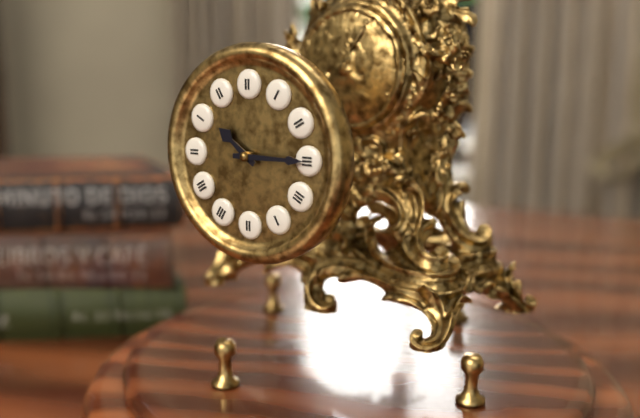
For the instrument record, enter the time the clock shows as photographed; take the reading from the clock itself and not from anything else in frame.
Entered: 10:15
